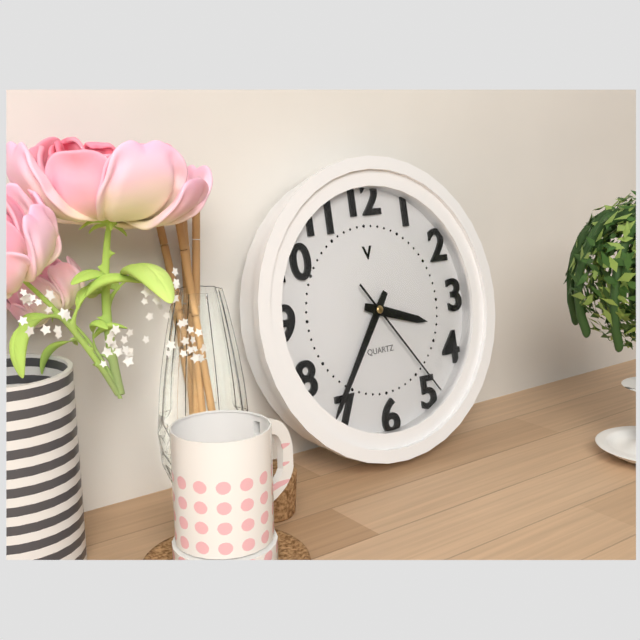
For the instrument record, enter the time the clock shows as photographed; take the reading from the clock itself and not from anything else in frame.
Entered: 3:36:24
